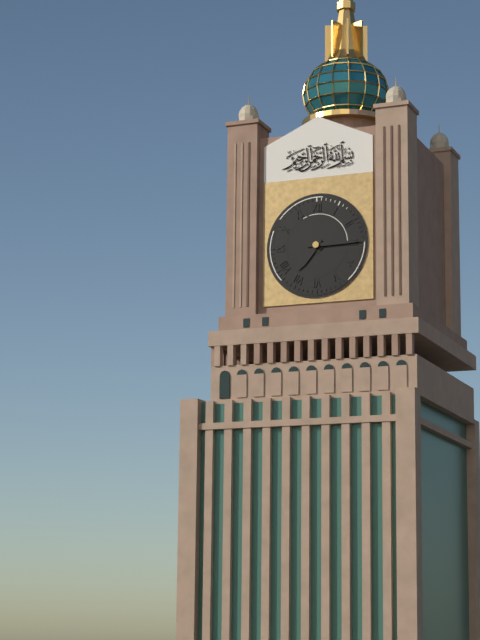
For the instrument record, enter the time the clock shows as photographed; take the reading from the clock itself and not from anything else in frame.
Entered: 7:15
